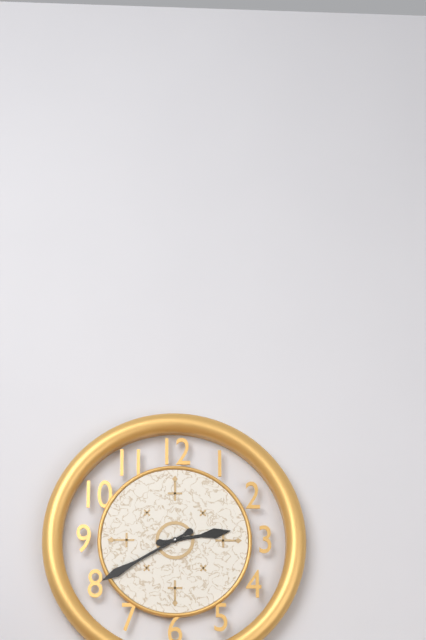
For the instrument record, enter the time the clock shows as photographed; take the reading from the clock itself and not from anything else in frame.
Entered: 2:40
